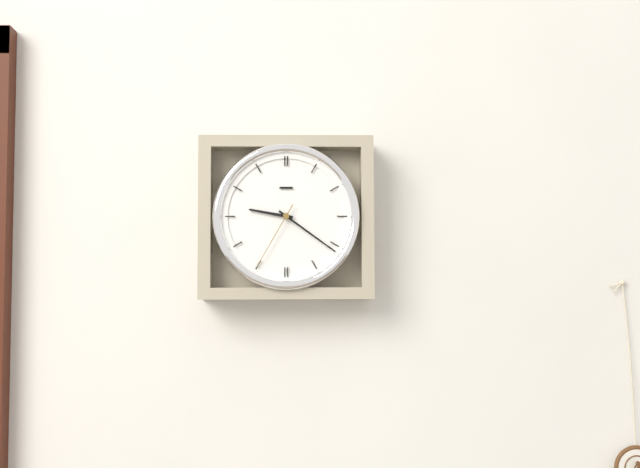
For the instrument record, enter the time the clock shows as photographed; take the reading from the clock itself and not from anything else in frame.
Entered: 9:21:35
